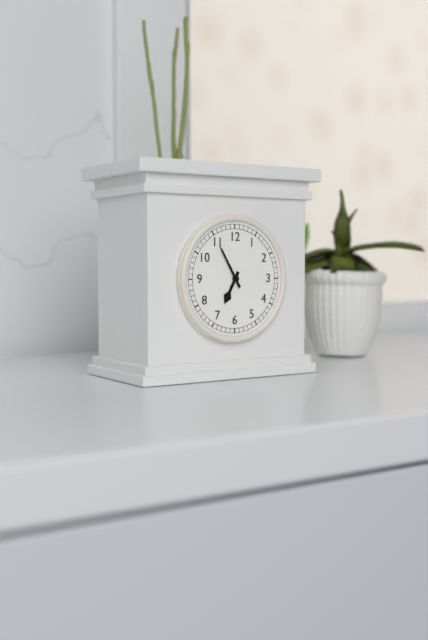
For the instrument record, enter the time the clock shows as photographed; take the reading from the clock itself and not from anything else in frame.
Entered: 6:55
